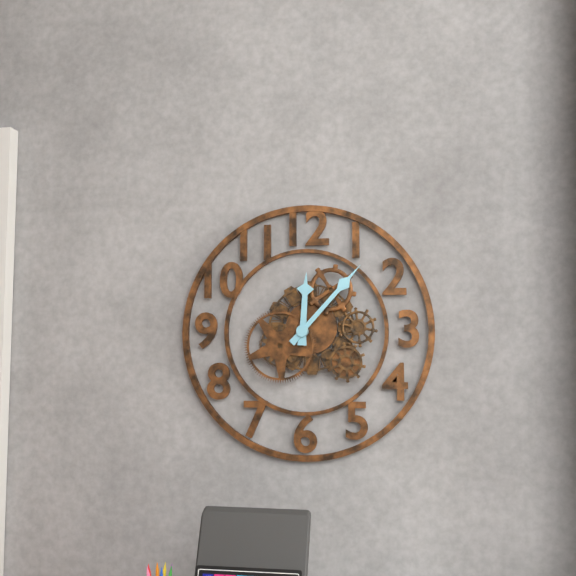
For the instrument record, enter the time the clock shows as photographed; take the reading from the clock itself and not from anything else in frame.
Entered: 12:07
